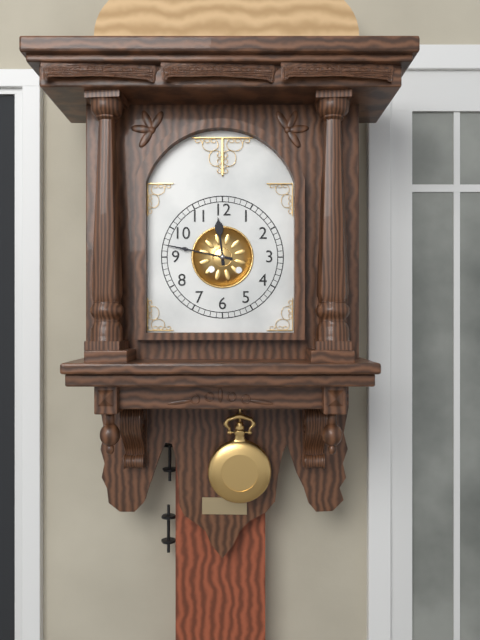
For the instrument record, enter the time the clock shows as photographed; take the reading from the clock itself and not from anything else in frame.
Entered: 11:47
